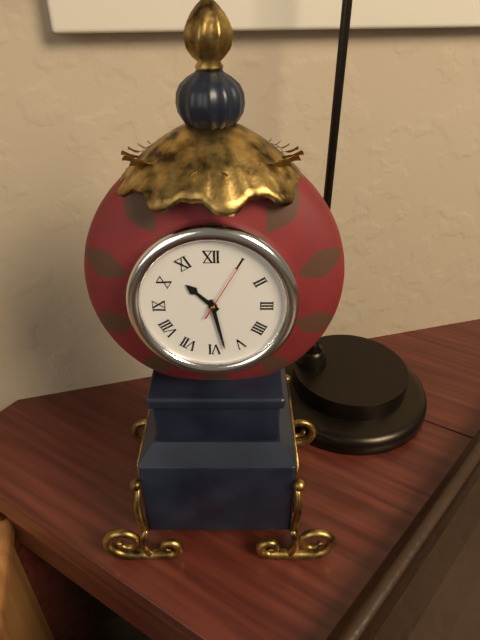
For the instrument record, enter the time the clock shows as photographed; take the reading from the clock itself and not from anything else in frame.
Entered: 10:28:05
